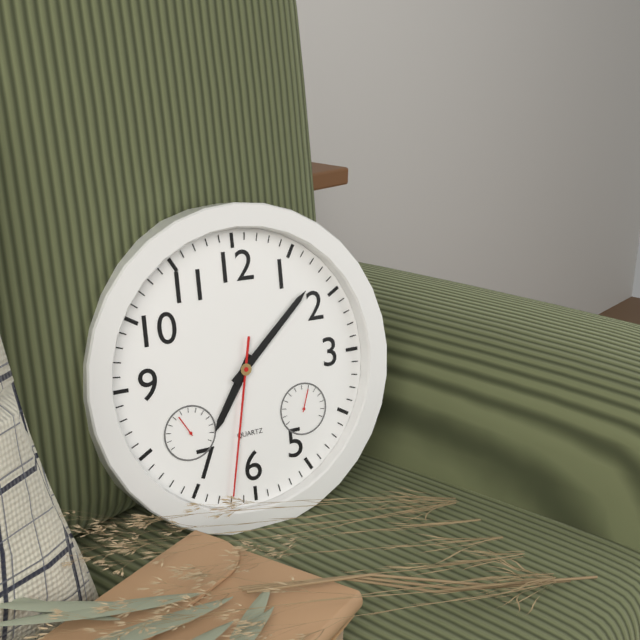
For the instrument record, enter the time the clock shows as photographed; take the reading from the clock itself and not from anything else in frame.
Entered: 7:08:32
